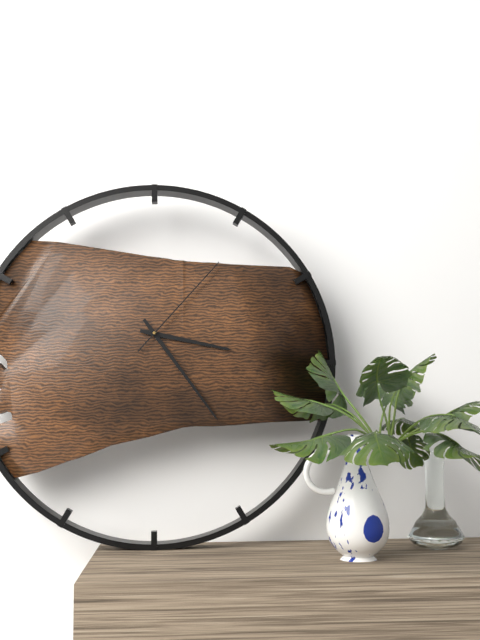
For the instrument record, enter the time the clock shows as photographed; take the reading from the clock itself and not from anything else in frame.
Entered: 3:24:07
